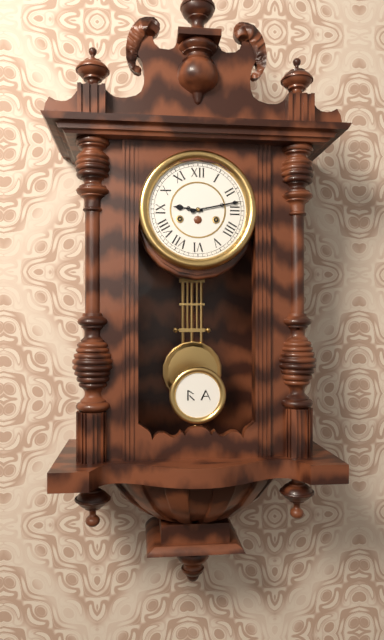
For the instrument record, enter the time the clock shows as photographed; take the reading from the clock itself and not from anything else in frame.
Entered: 9:13
